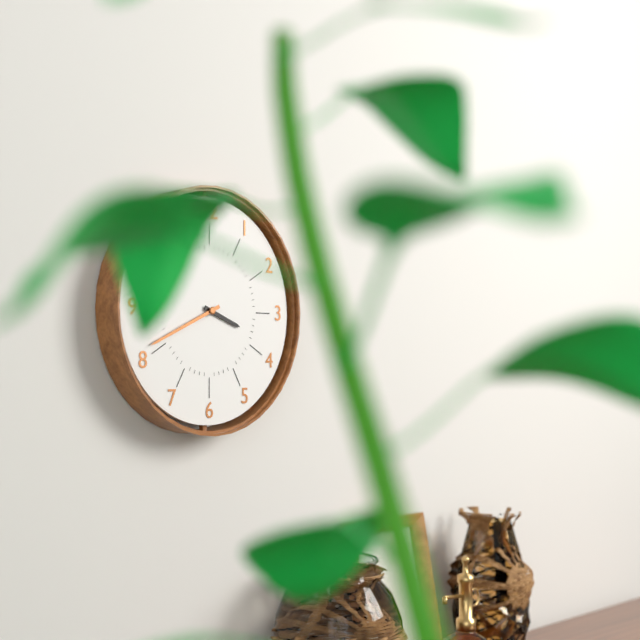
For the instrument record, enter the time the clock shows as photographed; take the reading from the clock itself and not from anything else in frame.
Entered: 3:41
